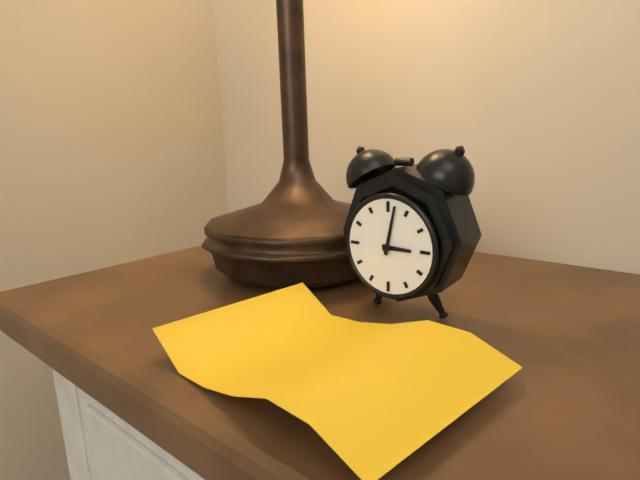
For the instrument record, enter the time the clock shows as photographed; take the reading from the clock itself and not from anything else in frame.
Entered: 3:02
